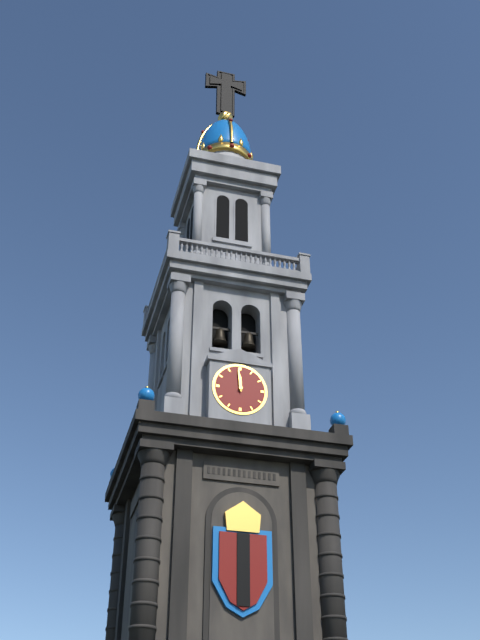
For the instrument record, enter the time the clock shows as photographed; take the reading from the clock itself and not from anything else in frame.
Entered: 11:59
